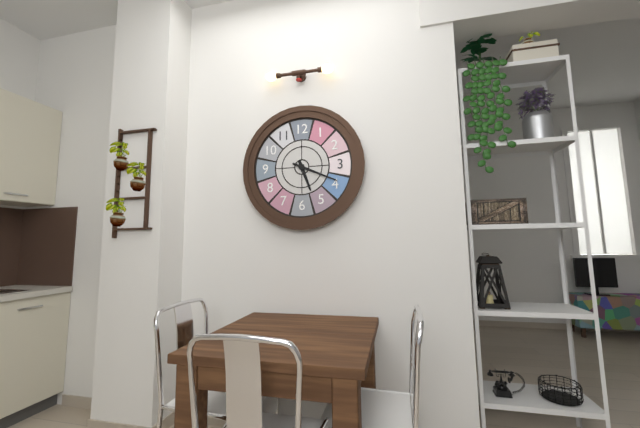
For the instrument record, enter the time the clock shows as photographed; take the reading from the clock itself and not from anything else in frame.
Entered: 5:19
